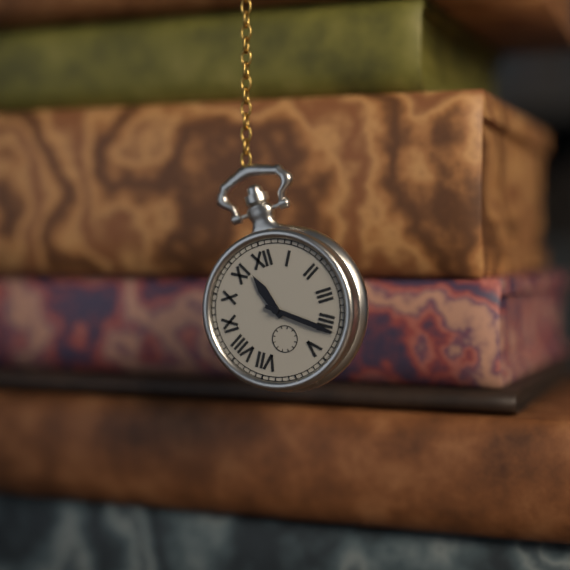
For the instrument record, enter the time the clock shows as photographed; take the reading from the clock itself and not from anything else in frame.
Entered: 11:21
